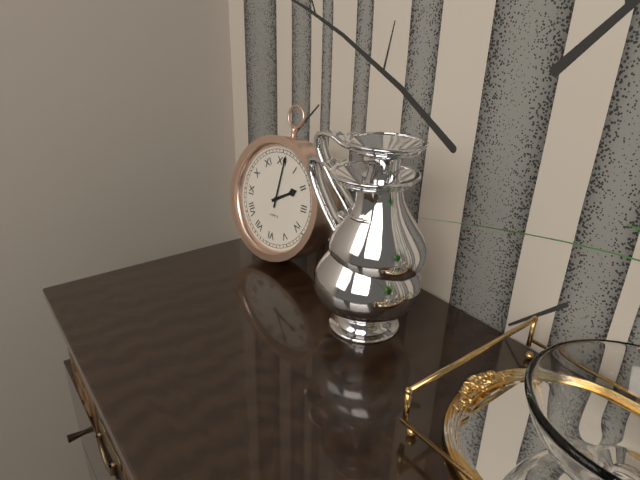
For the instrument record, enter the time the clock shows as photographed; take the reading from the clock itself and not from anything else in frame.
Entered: 2:01
